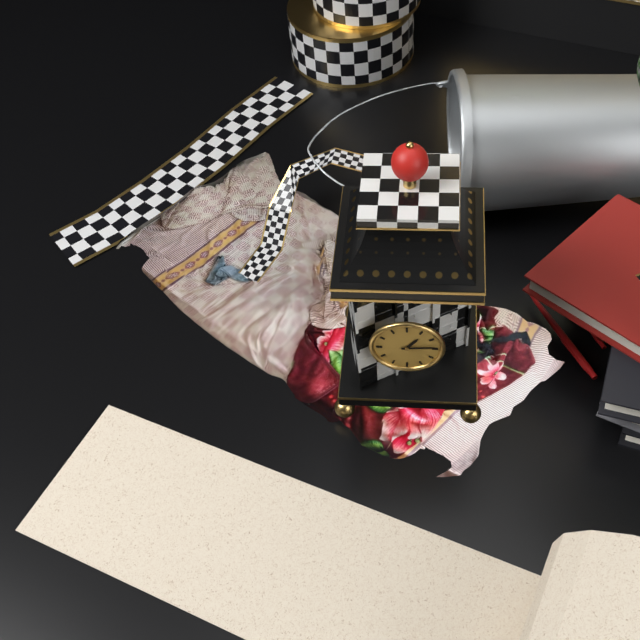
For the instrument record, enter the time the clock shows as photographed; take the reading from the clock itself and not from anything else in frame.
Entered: 1:14
